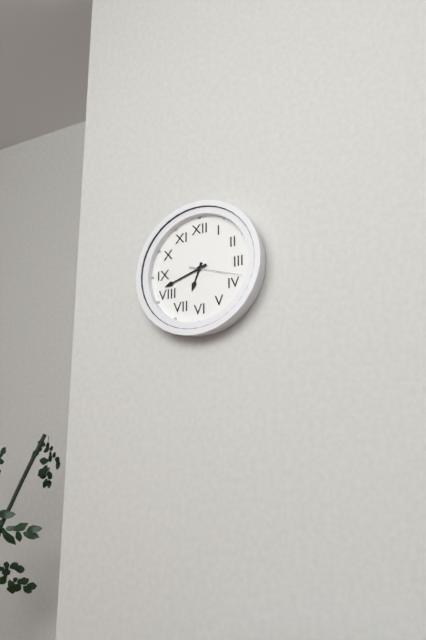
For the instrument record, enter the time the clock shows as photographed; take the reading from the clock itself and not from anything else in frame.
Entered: 6:42
